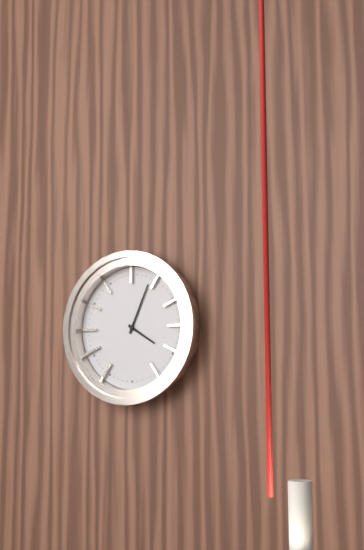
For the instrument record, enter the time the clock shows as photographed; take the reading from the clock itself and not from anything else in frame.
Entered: 4:04
